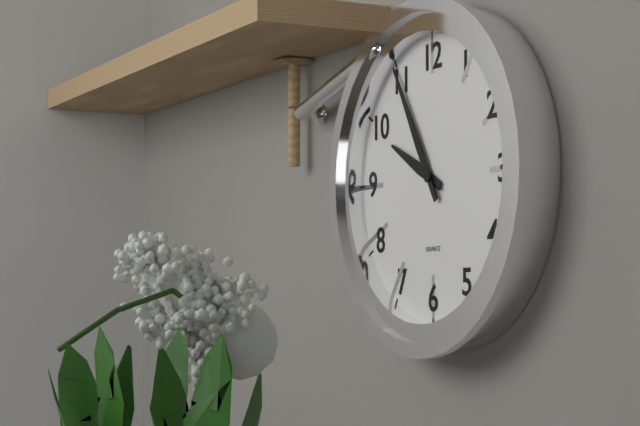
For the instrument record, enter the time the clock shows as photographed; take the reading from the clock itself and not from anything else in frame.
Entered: 9:55
